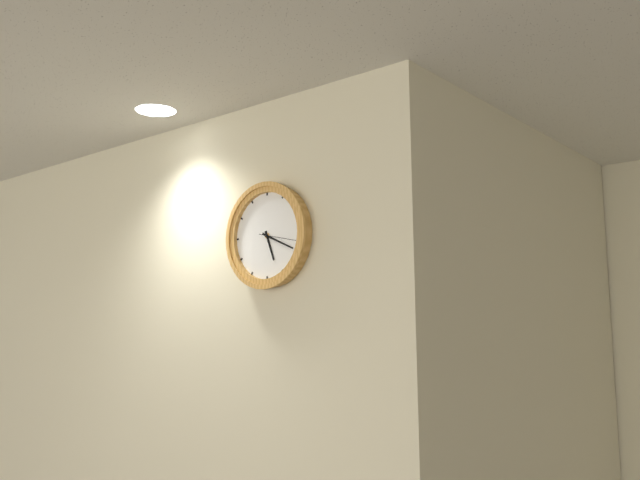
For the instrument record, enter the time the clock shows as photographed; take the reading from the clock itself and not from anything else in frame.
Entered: 5:19
